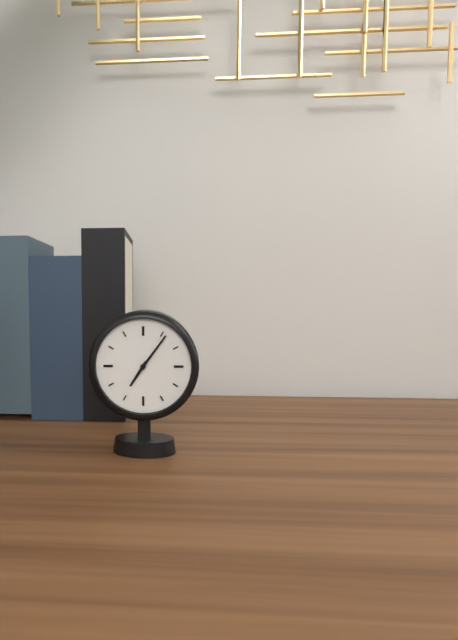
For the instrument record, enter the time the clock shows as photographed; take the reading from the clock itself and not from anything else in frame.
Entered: 7:06
